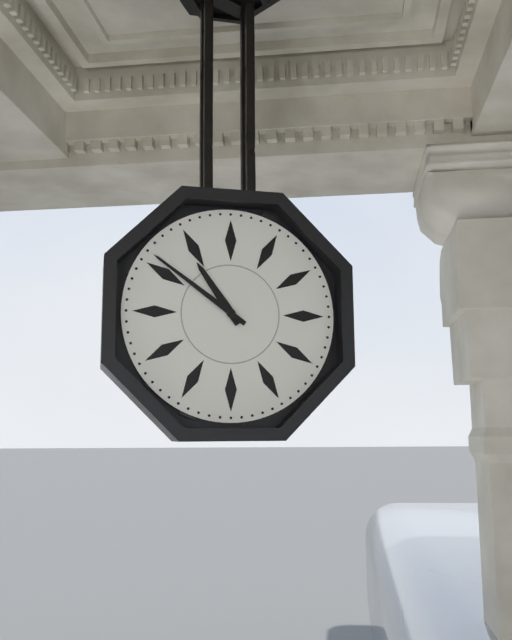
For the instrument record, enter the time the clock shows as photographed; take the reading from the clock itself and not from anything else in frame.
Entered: 10:51
